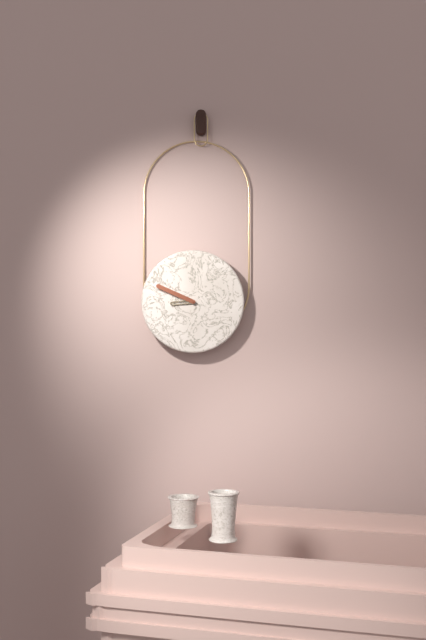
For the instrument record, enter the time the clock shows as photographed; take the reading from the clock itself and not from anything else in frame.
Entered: 8:49
